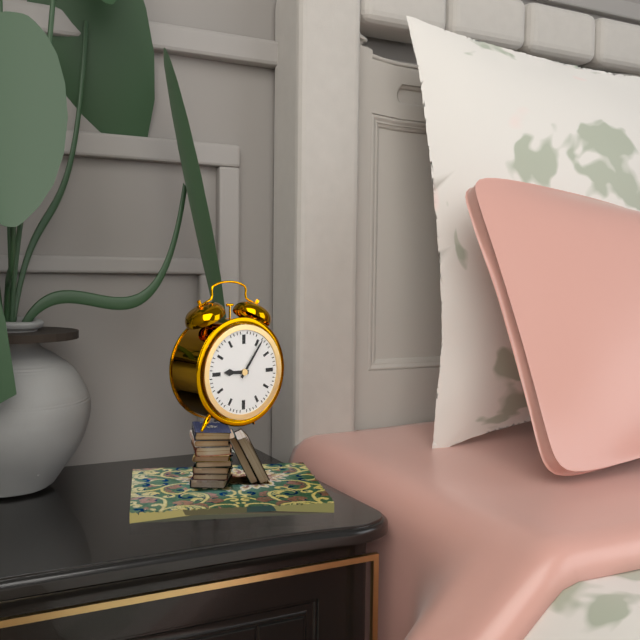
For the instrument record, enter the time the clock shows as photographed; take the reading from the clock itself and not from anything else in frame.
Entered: 9:06
